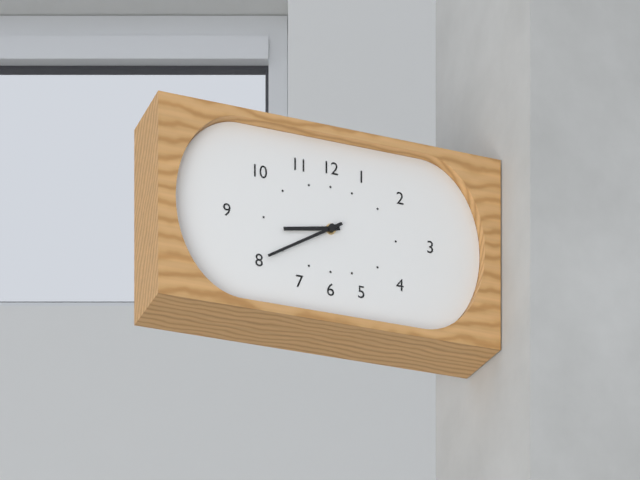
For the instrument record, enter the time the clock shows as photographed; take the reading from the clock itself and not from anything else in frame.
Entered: 8:40
